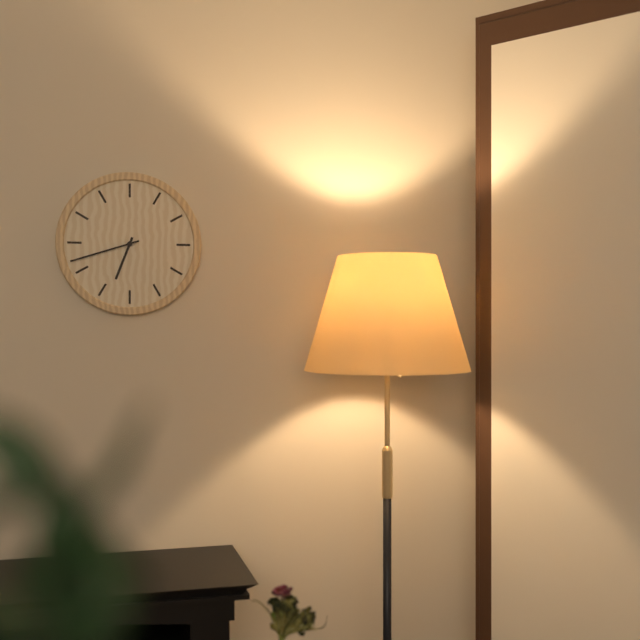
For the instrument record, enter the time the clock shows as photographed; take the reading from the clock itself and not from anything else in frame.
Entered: 6:42
